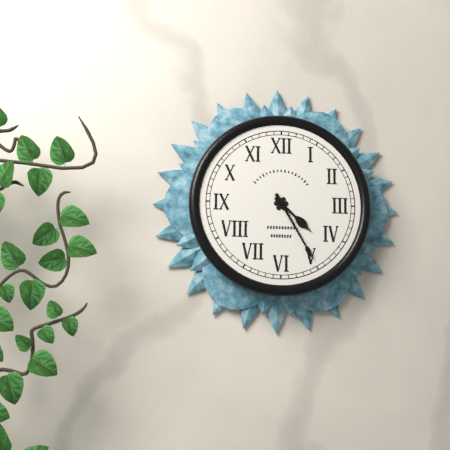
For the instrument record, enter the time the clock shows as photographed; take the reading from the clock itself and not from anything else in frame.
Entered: 4:25
